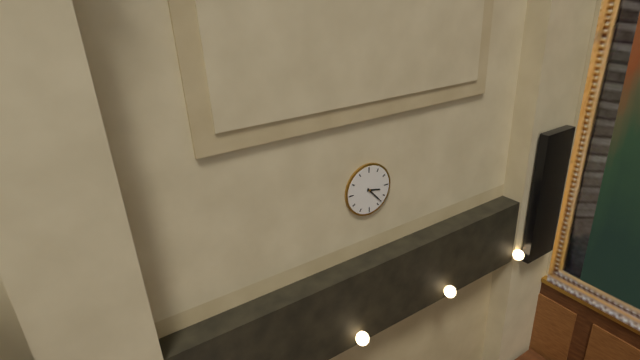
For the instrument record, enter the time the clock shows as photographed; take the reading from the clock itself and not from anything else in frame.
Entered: 3:23
